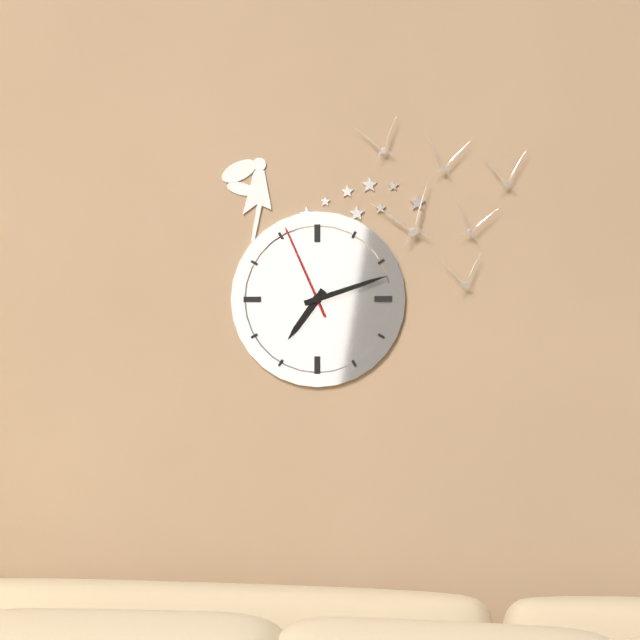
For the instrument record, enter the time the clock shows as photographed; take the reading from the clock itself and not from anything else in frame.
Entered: 7:12:56
